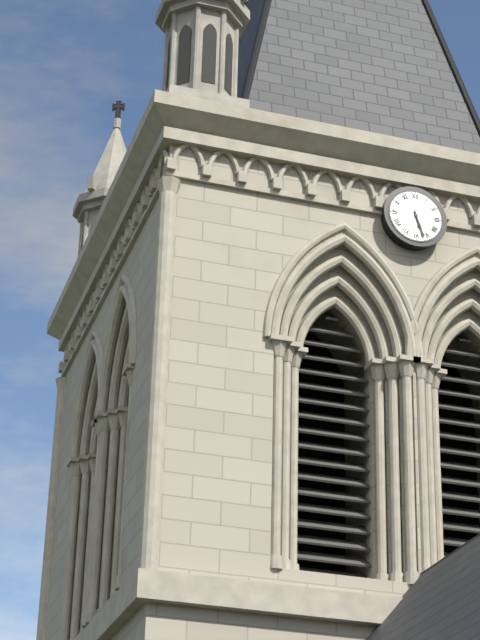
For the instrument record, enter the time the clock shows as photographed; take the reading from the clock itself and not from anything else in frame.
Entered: 5:27
